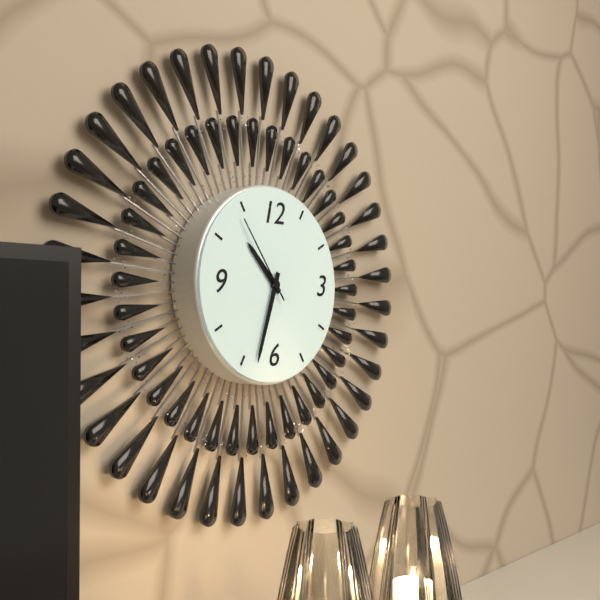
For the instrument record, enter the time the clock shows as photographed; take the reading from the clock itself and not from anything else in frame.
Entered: 10:33:54
